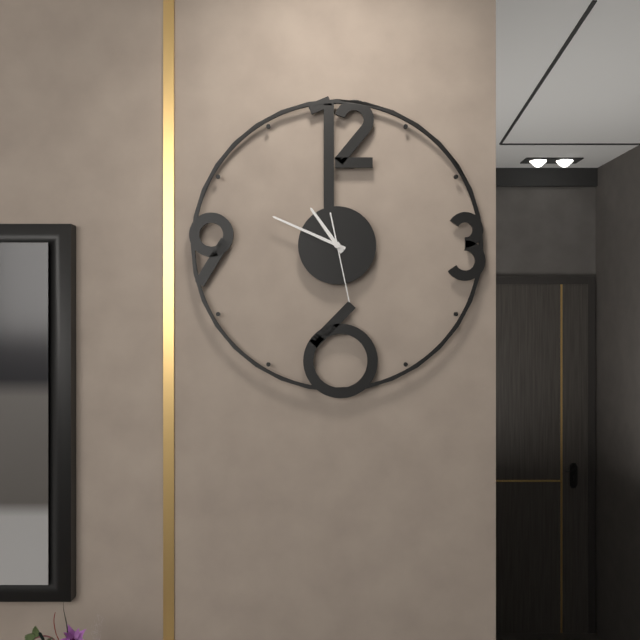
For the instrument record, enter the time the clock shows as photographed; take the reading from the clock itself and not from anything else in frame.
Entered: 10:49:28
